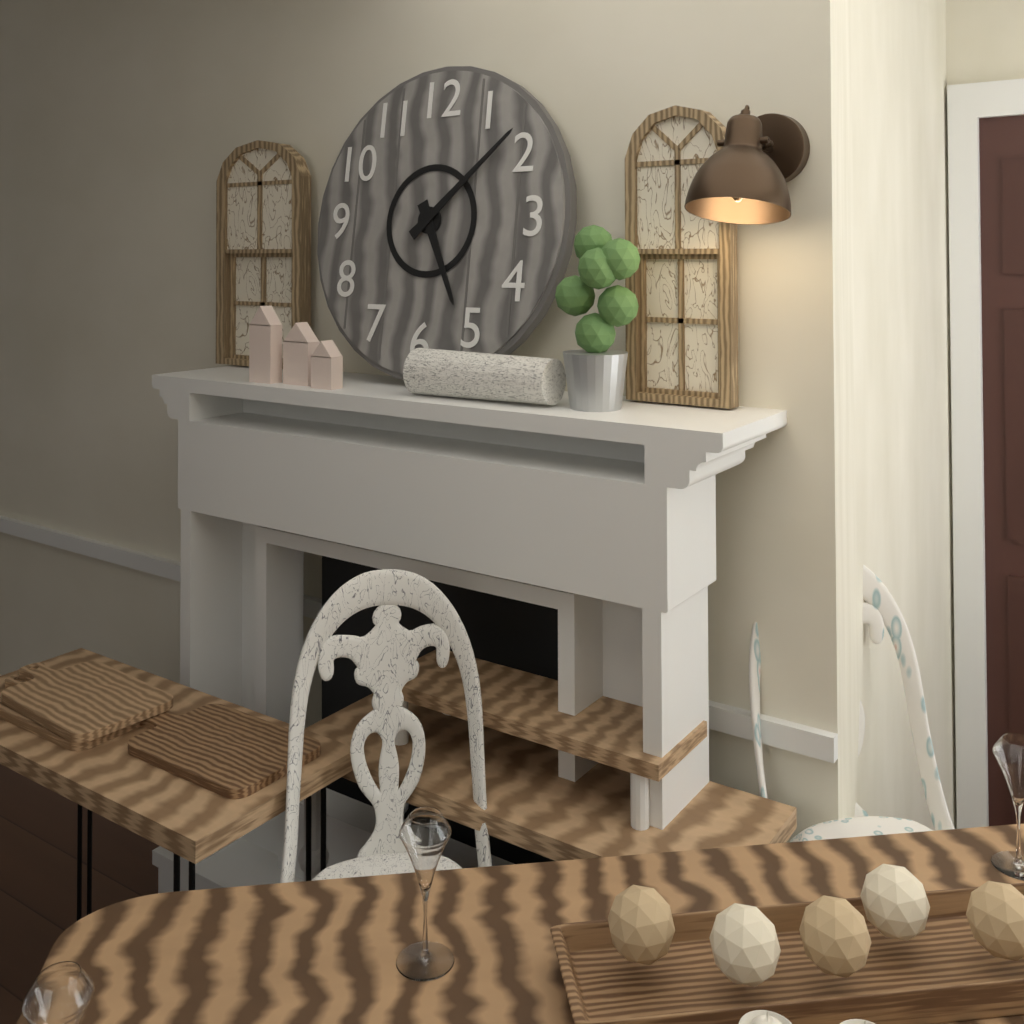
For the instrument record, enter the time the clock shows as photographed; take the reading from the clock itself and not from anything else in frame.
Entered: 5:08
